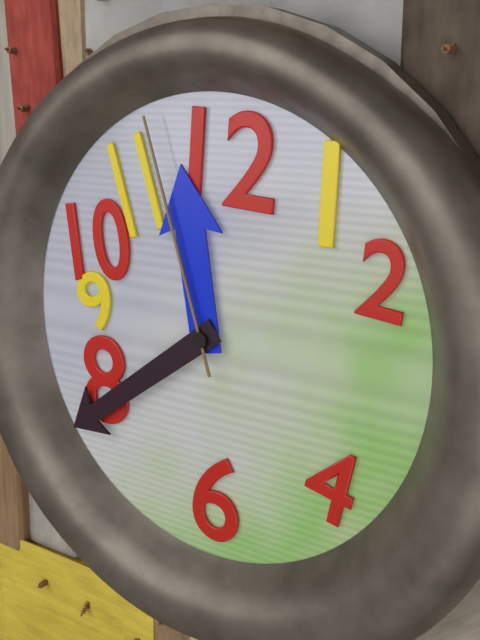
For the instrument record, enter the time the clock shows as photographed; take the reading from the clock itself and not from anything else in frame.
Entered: 11:39:57
